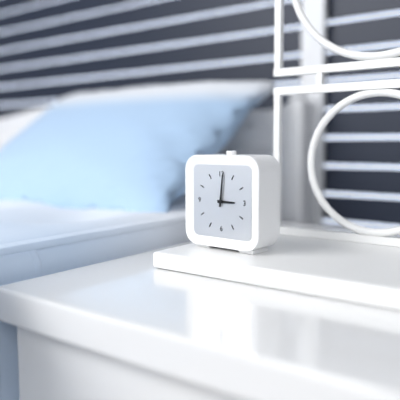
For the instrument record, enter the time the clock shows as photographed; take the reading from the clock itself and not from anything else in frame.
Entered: 3:01
